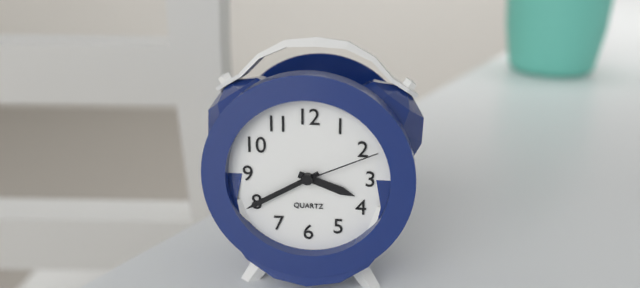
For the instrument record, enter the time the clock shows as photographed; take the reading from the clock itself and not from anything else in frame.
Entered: 3:40:11
